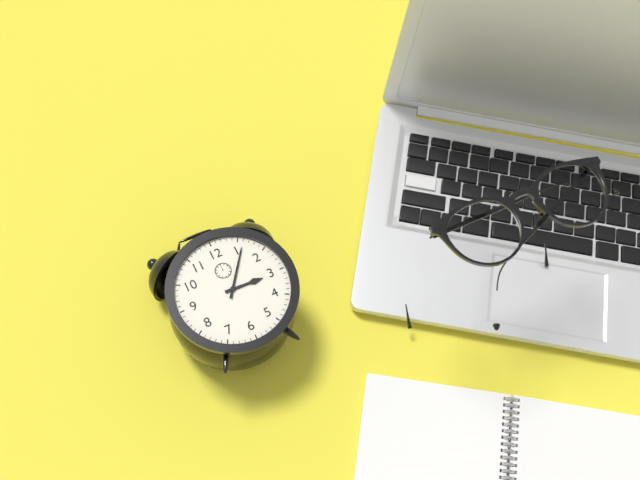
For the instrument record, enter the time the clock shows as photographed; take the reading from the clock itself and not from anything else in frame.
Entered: 3:06
